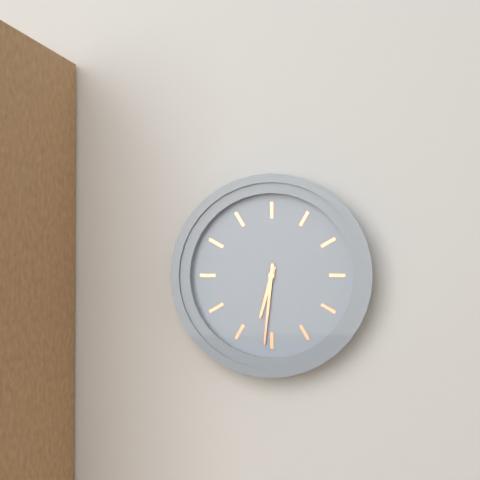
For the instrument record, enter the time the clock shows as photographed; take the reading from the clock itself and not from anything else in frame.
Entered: 6:31
